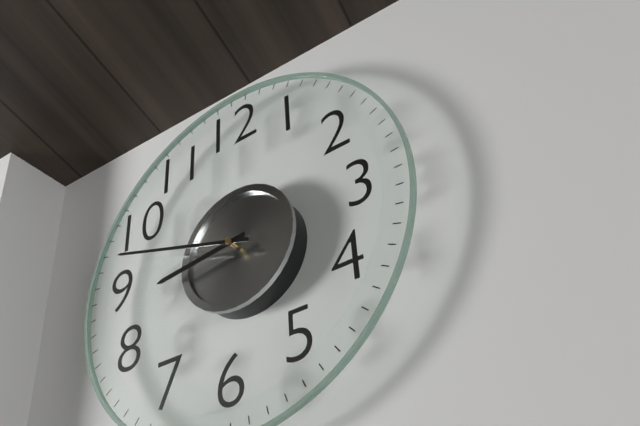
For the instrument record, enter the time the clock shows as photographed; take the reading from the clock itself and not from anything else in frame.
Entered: 8:48
